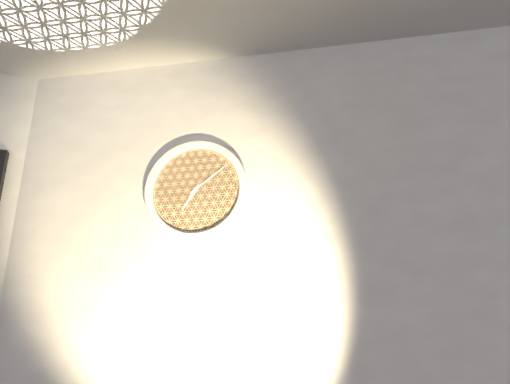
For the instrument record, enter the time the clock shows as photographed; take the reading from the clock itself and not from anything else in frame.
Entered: 7:09
